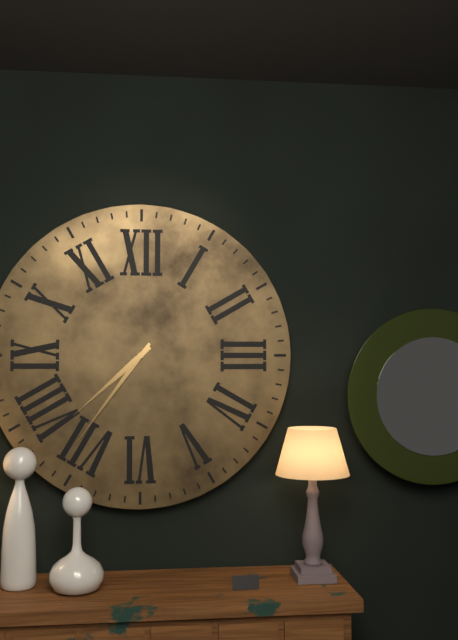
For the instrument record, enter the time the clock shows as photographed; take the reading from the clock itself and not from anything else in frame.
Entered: 7:36
